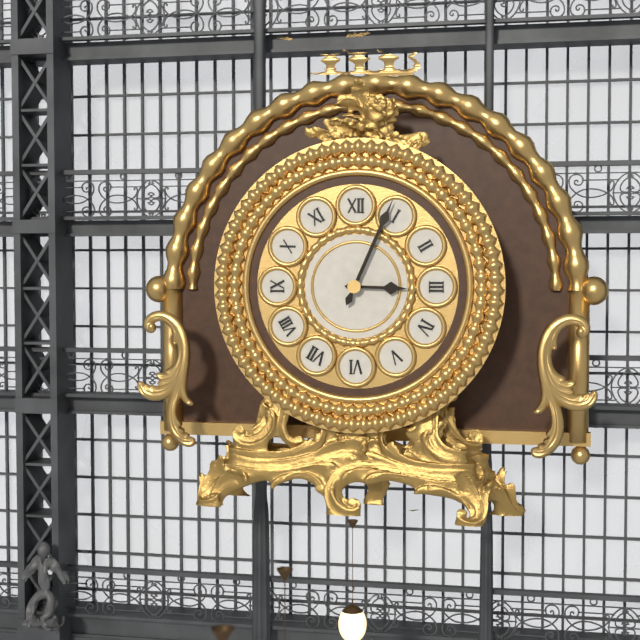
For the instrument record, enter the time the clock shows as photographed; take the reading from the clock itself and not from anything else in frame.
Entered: 3:04
